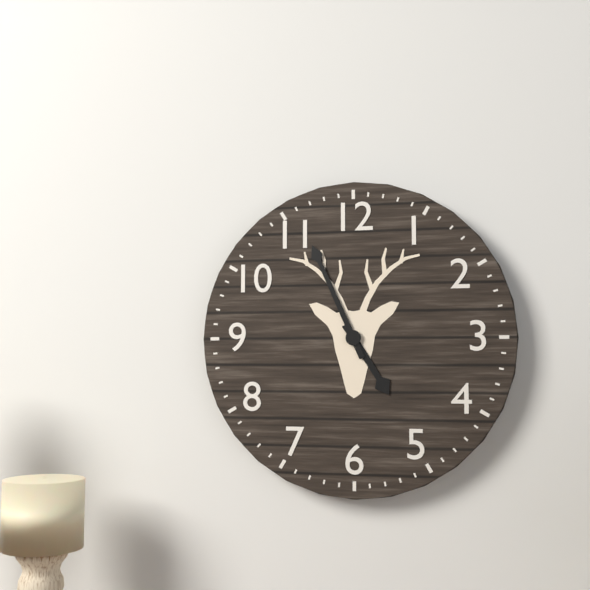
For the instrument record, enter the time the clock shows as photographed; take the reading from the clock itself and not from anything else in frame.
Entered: 4:56
